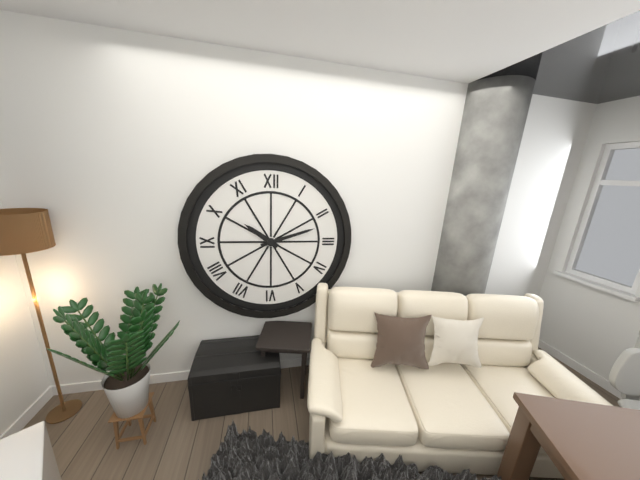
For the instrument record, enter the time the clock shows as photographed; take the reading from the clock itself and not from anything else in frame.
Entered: 10:12
